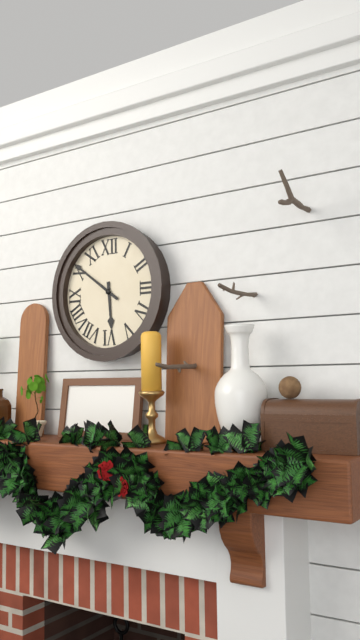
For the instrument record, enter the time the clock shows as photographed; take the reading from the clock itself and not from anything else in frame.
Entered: 5:51
